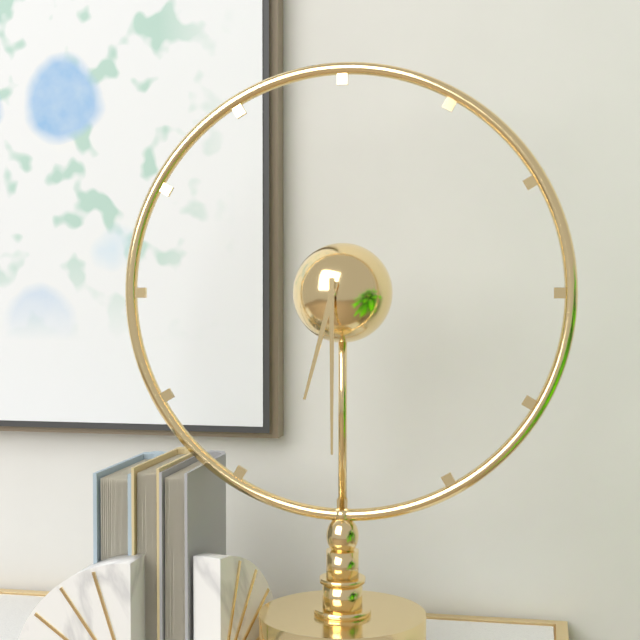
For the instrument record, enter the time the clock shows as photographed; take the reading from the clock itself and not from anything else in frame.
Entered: 6:30
